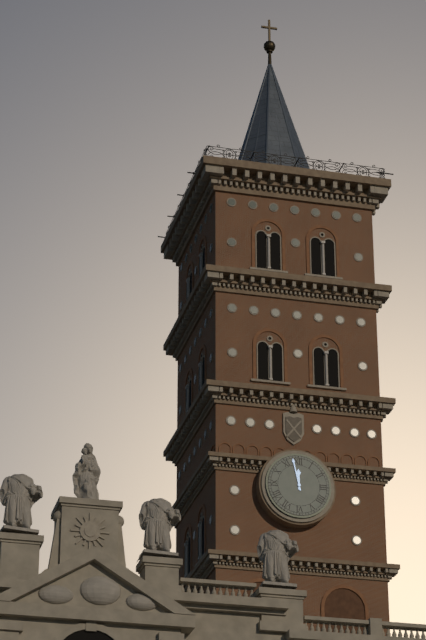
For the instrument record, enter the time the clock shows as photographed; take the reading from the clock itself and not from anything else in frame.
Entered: 11:58
